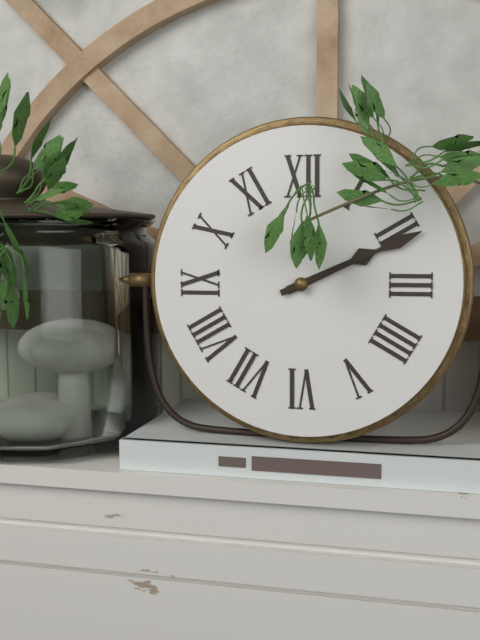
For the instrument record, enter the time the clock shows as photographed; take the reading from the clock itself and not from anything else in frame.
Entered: 2:11
